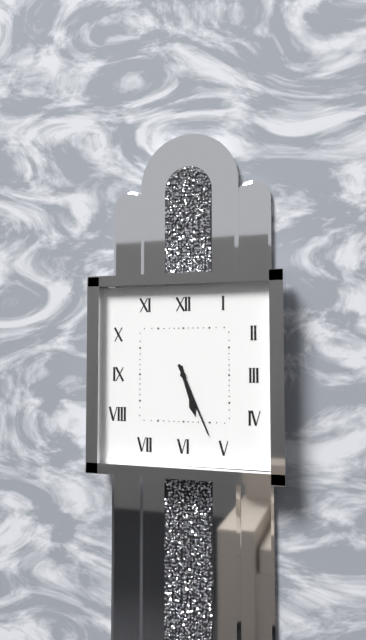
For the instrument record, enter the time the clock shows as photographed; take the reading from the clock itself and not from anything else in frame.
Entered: 5:26
